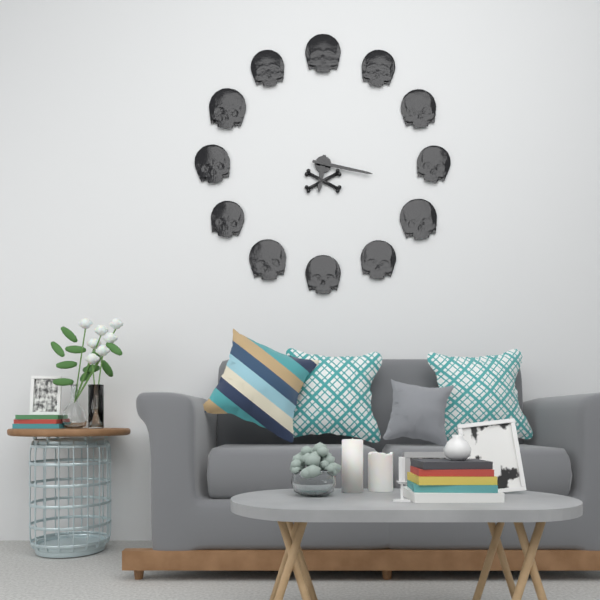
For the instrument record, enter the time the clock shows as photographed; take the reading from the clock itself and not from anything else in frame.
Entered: 6:17
